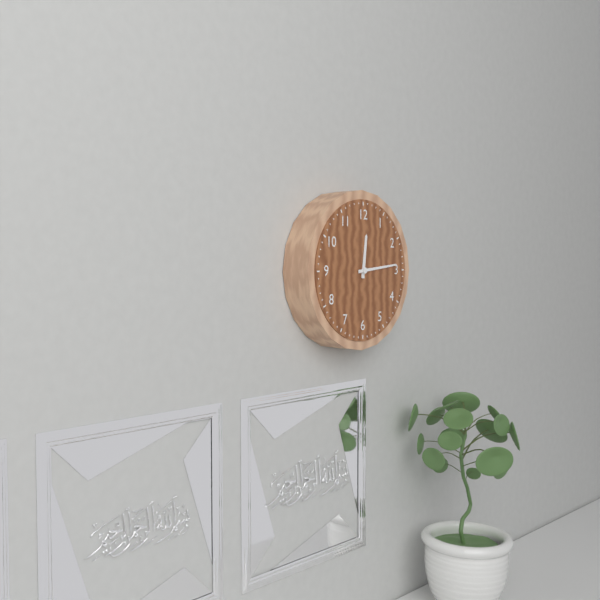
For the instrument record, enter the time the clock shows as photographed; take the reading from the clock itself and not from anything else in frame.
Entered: 12:14
